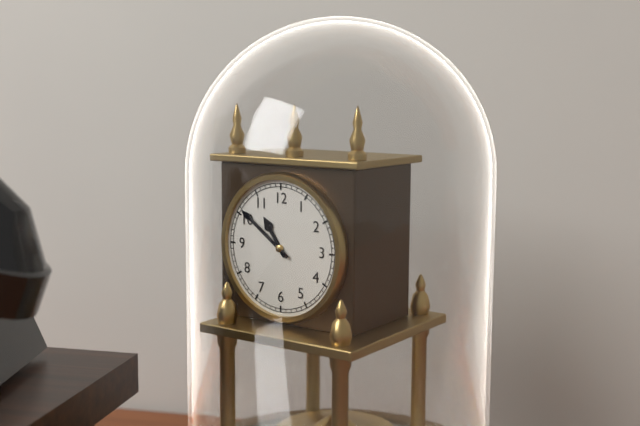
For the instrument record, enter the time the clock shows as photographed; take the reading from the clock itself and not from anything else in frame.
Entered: 10:51
